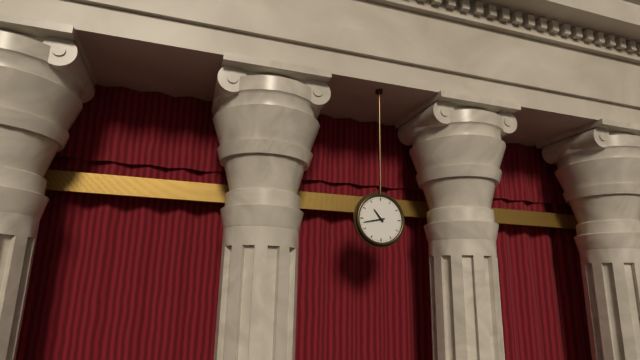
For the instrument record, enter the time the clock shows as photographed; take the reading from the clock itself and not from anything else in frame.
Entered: 10:43
